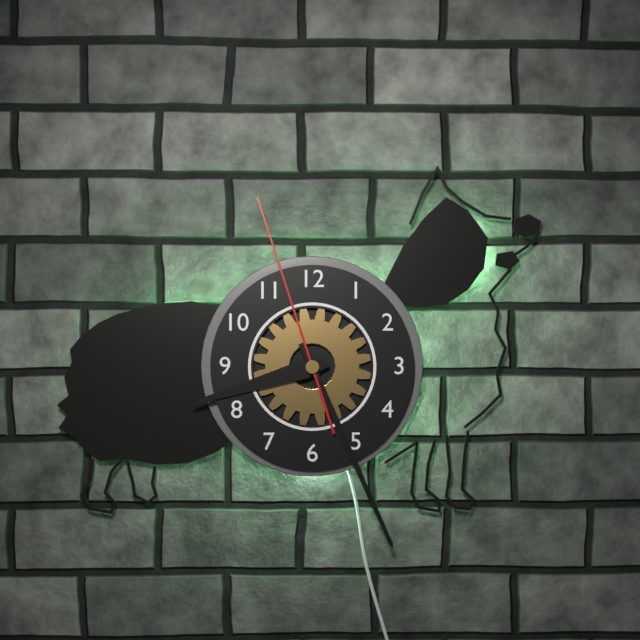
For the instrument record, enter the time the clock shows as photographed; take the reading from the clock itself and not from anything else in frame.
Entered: 8:26:57
